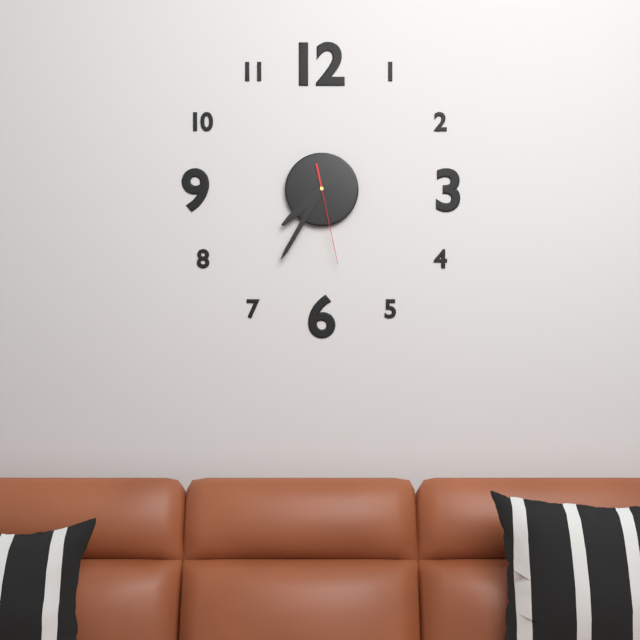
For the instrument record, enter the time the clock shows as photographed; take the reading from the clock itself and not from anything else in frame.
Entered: 7:35:28
